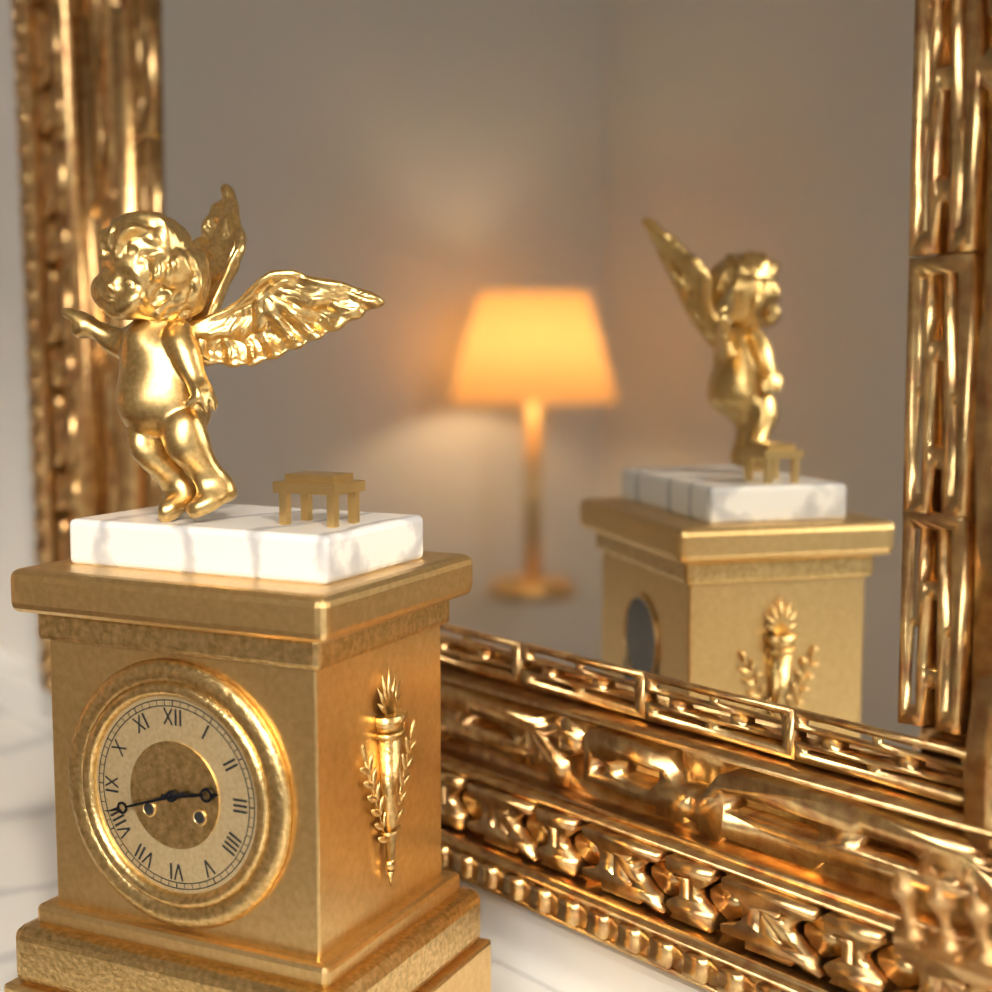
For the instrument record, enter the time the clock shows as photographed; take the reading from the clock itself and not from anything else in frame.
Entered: 2:42
